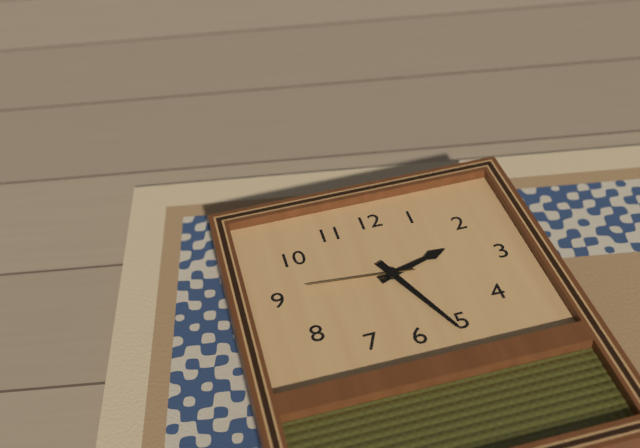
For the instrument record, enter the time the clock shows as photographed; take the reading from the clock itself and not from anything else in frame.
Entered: 2:26:46
